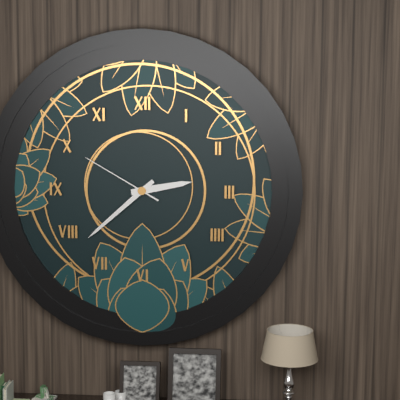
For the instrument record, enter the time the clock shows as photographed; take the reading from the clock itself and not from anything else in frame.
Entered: 2:38:50
